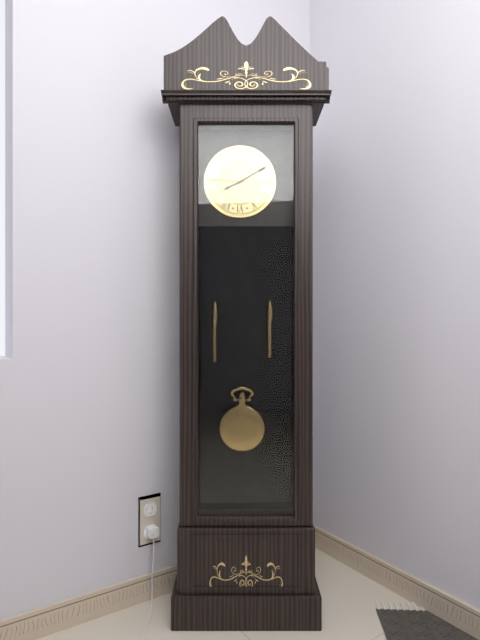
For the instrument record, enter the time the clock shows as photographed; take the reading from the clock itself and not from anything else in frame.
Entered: 8:10
